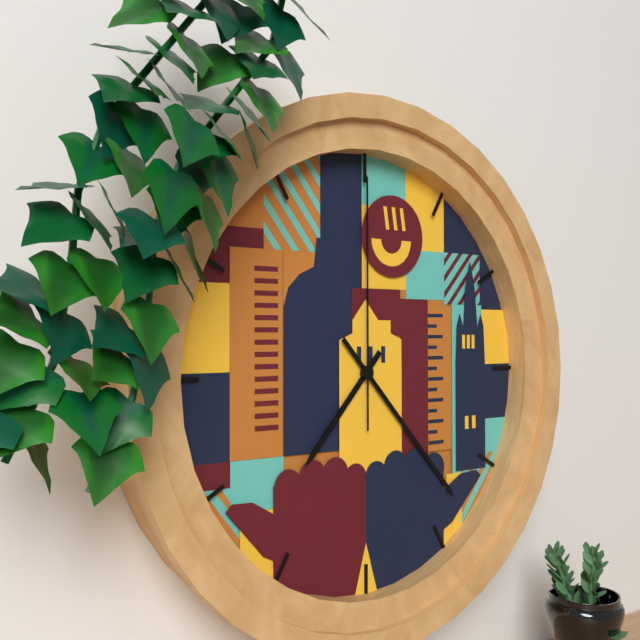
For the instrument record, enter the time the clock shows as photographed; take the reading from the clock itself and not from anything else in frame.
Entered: 7:23:00
